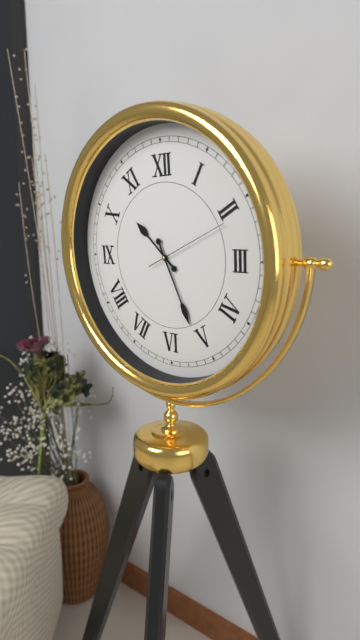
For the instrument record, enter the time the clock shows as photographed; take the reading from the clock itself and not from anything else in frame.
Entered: 10:26:11
